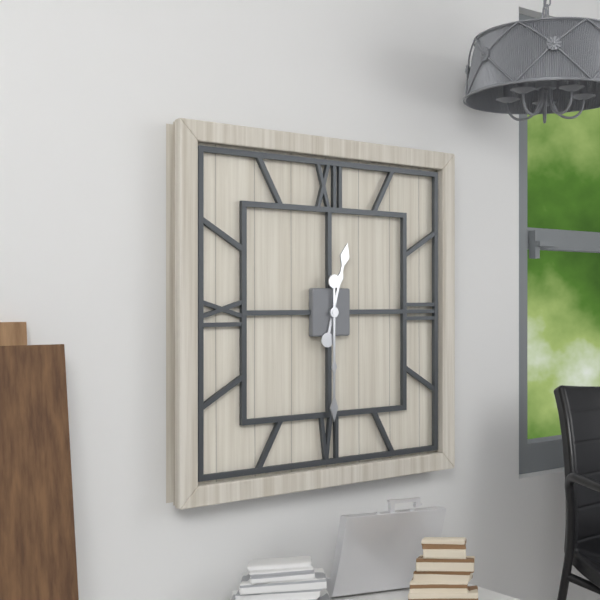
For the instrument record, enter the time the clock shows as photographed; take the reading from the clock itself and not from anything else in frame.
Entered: 12:30
